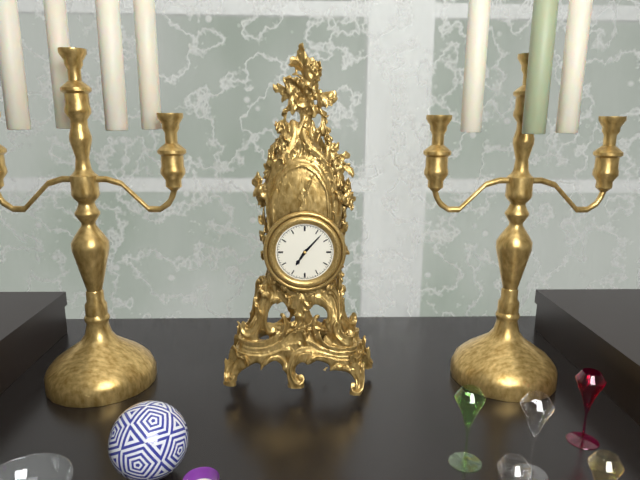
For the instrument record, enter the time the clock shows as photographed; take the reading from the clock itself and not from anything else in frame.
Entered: 7:07
